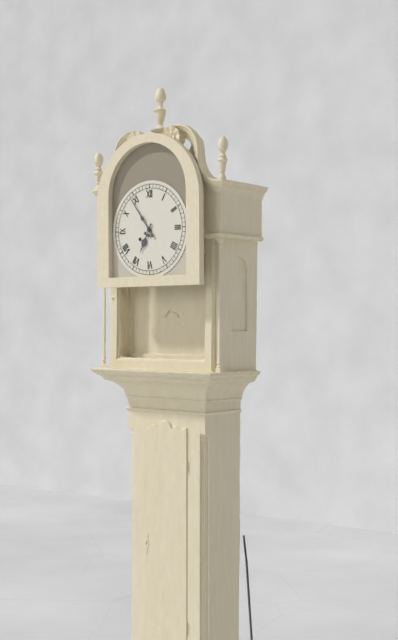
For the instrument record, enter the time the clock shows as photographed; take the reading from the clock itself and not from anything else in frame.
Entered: 6:54
